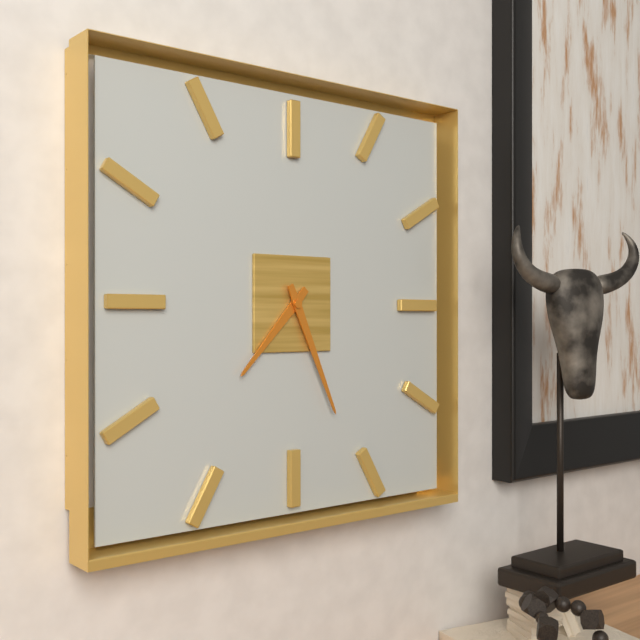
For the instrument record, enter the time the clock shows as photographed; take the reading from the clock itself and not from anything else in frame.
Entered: 7:26
